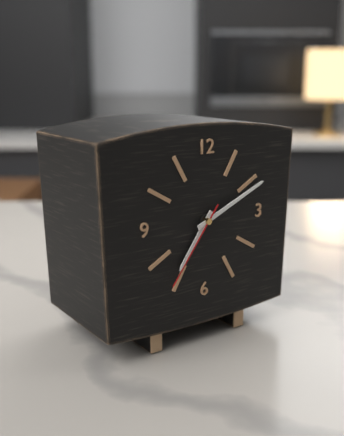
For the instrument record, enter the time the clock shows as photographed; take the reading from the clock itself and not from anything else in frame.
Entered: 7:11:36
